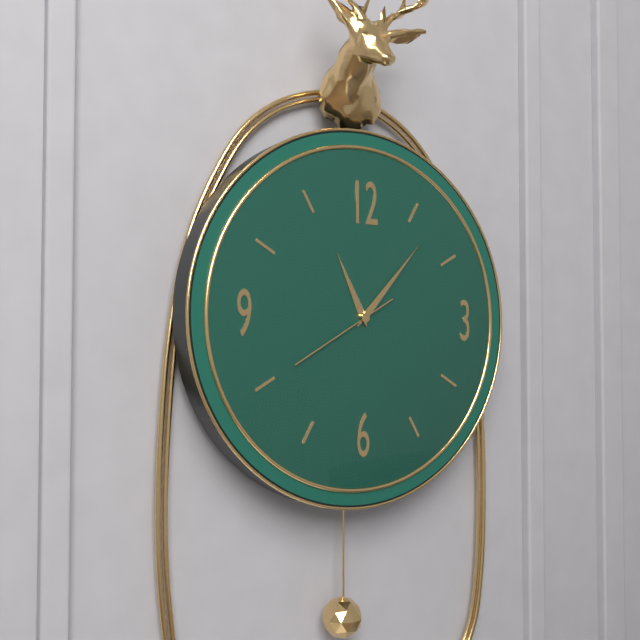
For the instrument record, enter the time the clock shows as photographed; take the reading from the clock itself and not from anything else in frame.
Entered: 11:07:40
